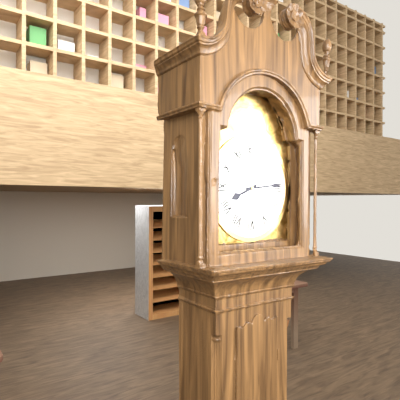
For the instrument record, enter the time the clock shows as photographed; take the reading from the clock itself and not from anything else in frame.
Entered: 8:14
